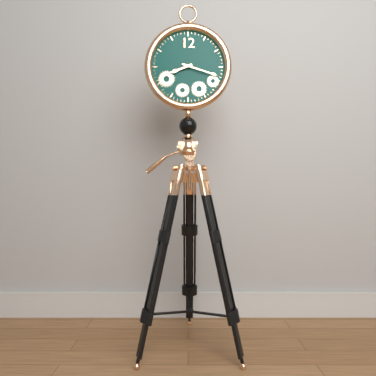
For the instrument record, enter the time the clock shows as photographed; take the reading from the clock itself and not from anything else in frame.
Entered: 8:18
